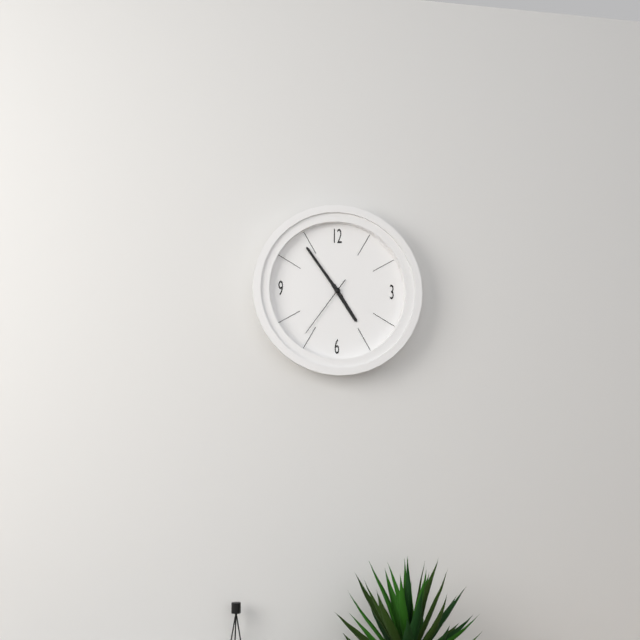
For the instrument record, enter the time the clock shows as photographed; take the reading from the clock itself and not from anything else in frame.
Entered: 4:54:36
